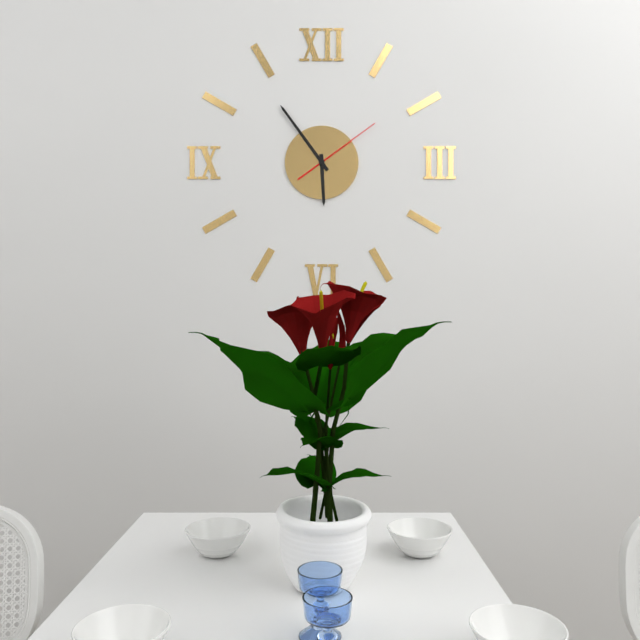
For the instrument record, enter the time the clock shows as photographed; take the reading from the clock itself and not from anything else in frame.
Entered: 5:54:09
